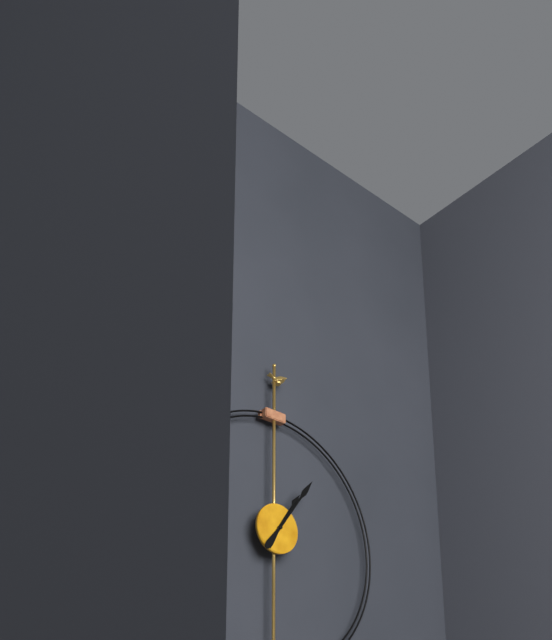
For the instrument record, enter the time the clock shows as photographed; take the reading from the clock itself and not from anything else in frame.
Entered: 1:06
